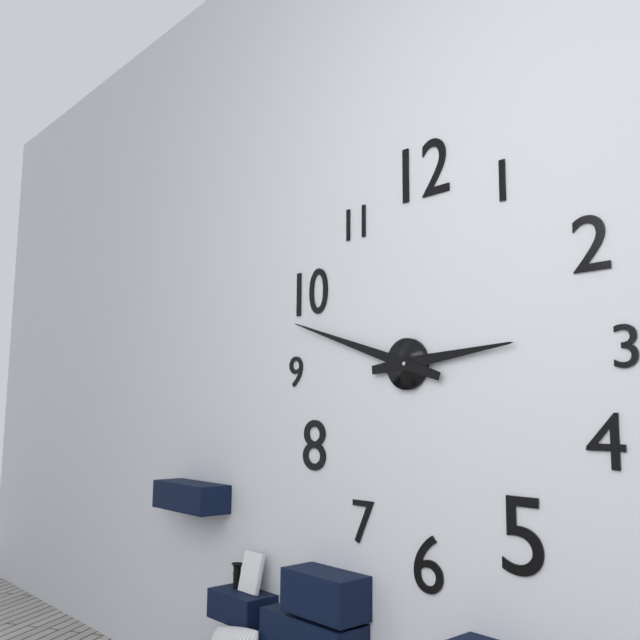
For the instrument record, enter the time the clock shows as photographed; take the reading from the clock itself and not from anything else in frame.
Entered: 2:48
